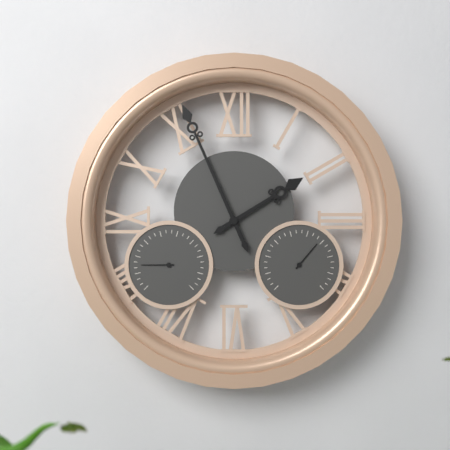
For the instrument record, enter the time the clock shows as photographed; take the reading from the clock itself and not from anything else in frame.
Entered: 1:56
